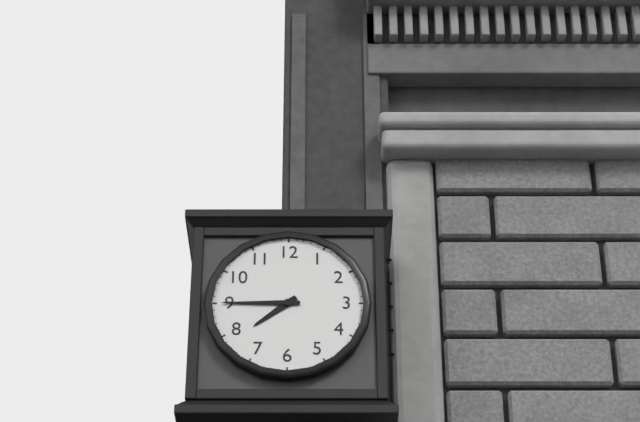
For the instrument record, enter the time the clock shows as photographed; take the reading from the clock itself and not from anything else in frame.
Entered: 7:45
